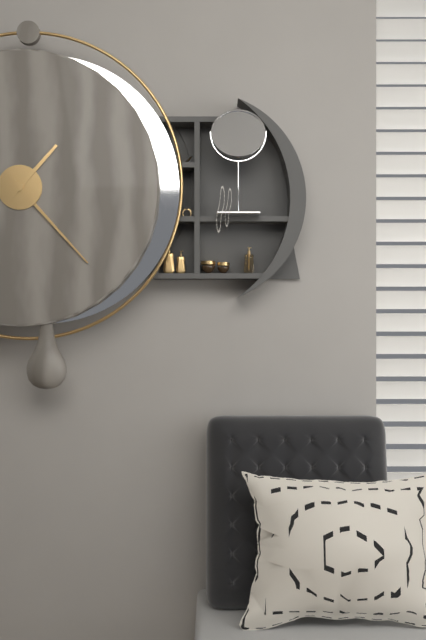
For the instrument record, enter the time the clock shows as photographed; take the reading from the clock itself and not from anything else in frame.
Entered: 1:23
